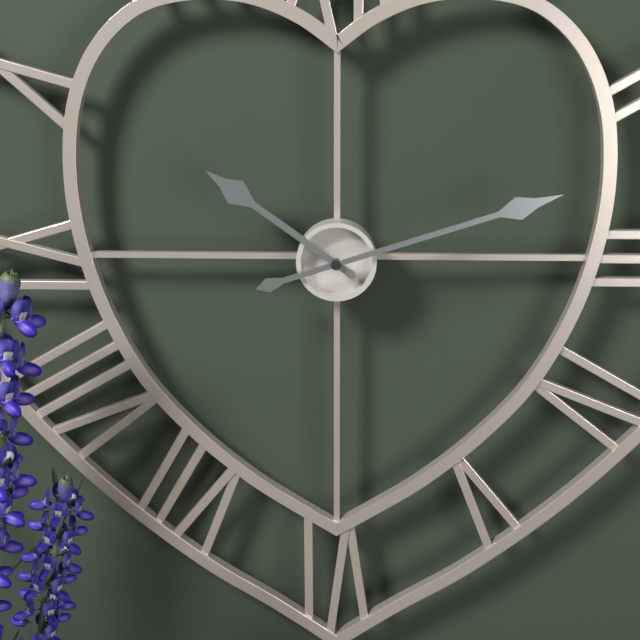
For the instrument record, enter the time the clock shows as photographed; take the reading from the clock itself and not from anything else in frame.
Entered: 10:12
